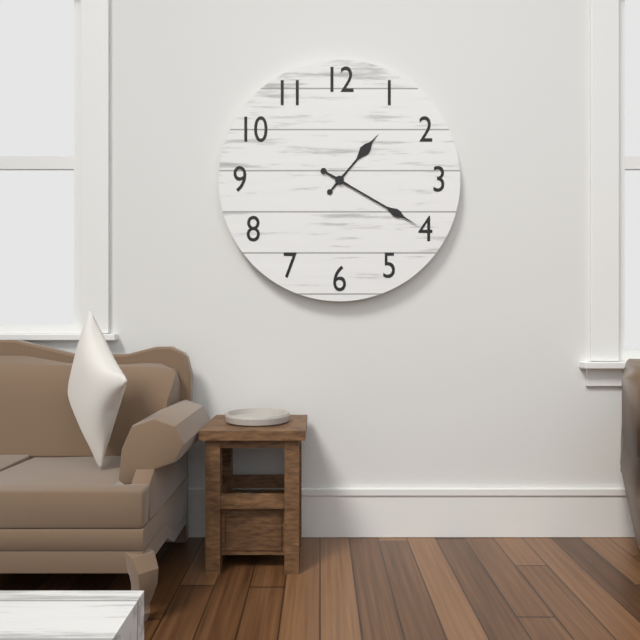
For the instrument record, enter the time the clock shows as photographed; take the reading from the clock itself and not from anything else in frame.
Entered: 1:20
